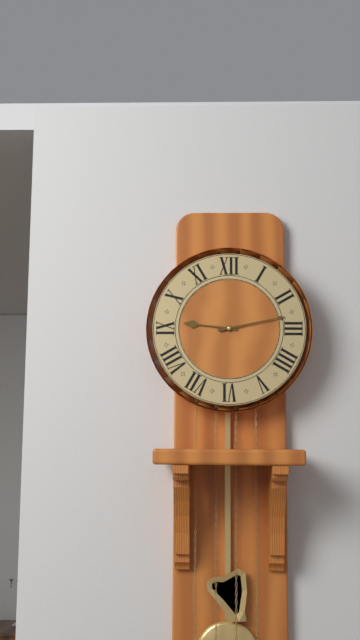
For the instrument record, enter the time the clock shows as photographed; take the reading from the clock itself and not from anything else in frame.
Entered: 9:13
